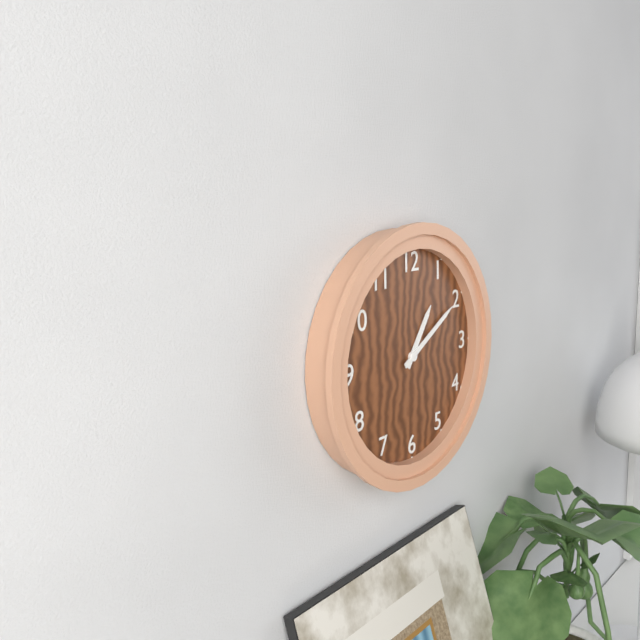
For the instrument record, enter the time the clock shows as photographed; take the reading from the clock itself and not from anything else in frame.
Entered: 1:10
